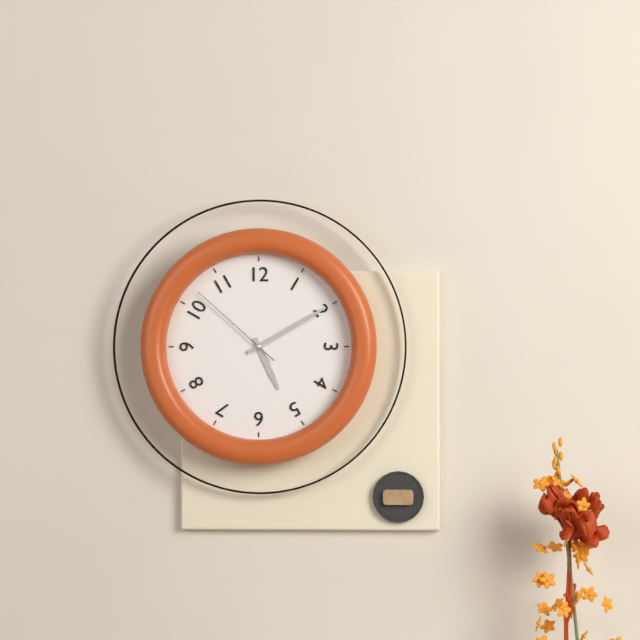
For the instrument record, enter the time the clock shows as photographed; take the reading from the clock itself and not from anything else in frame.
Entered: 5:10:52
